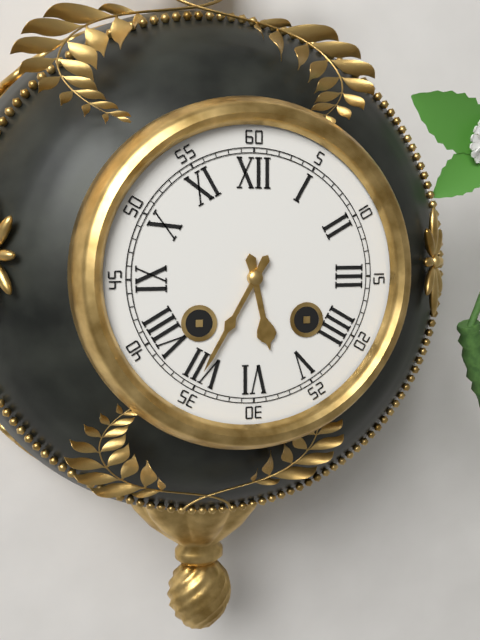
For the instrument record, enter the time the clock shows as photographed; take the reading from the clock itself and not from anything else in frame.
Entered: 5:35
